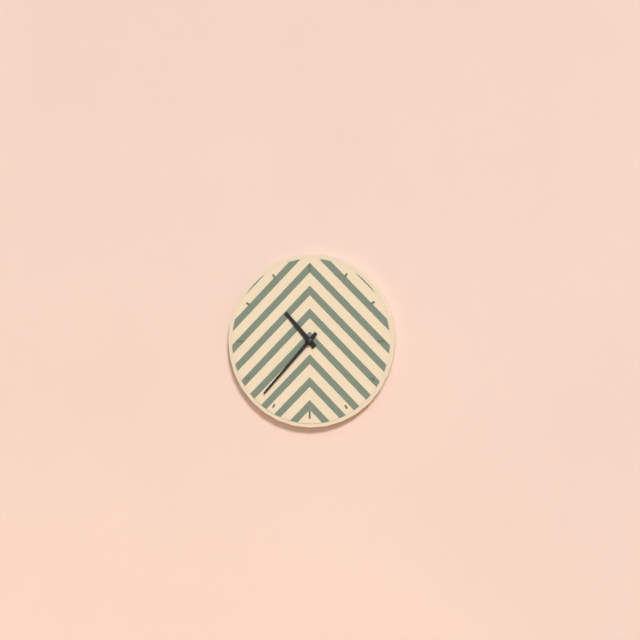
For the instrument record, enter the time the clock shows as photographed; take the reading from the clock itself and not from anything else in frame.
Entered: 10:37
